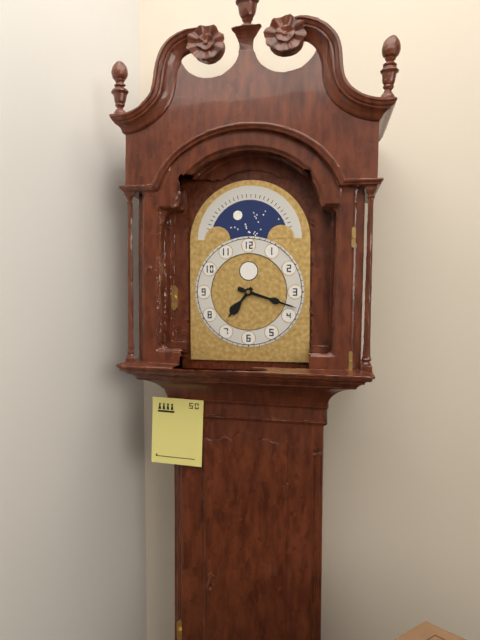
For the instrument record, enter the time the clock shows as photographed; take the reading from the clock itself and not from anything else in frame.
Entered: 7:18
